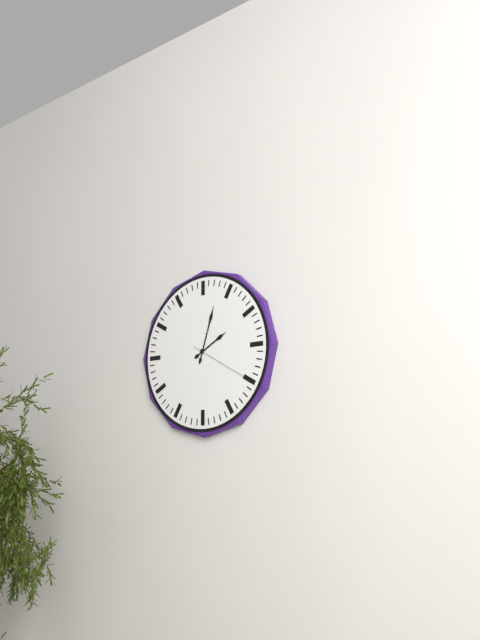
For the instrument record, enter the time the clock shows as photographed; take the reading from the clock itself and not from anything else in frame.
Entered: 2:03:20
